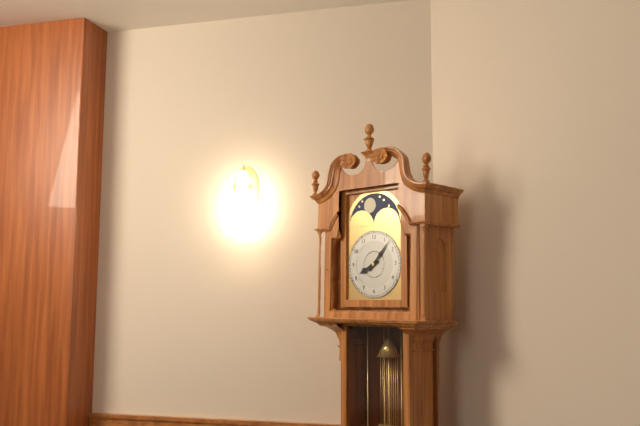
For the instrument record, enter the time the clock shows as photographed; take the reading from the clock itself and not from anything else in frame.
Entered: 8:07
